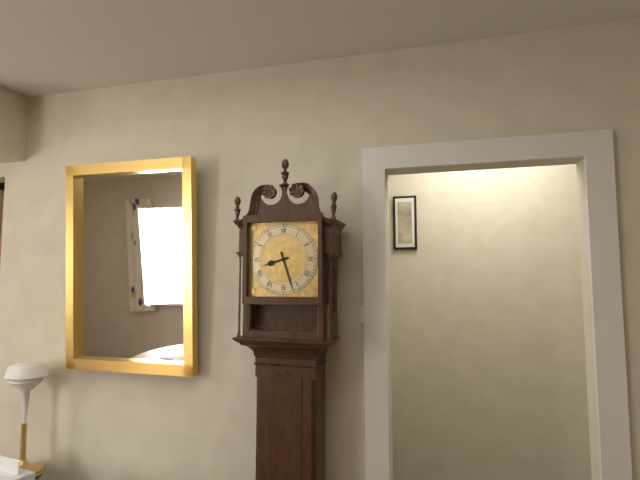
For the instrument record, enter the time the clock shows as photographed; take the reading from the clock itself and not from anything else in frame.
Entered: 8:27
